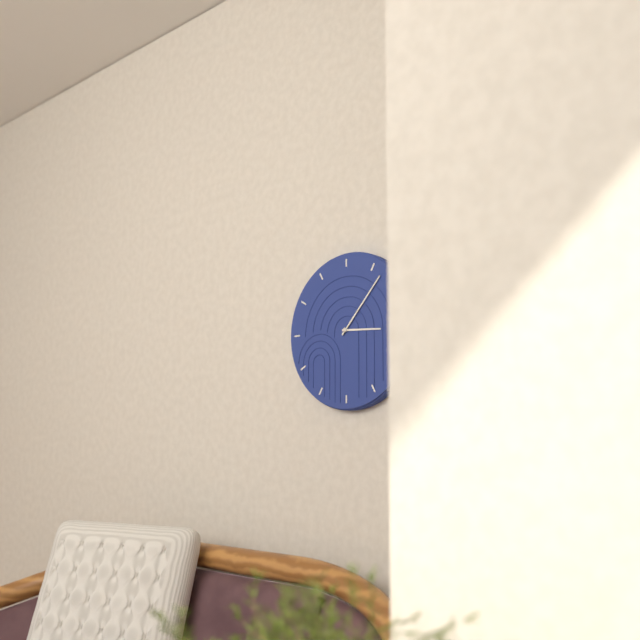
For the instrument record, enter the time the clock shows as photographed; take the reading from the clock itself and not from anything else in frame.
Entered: 3:07
